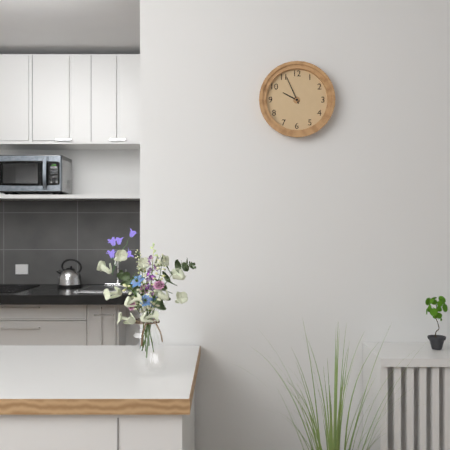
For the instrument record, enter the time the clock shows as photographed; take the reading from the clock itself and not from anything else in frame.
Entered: 9:56
